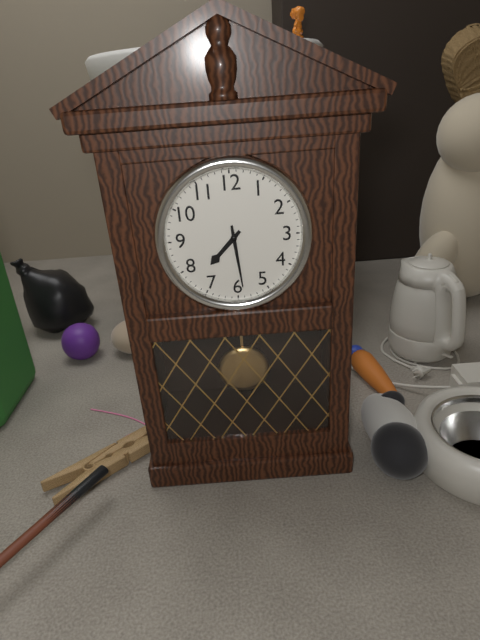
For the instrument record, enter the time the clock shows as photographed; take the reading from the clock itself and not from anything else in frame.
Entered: 7:29
